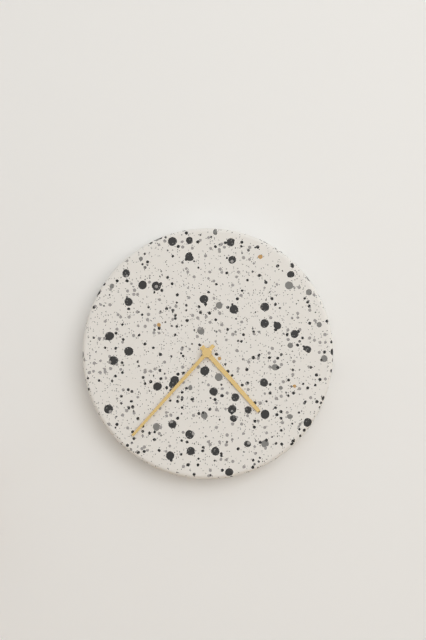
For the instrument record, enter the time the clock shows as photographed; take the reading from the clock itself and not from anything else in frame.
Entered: 4:37
